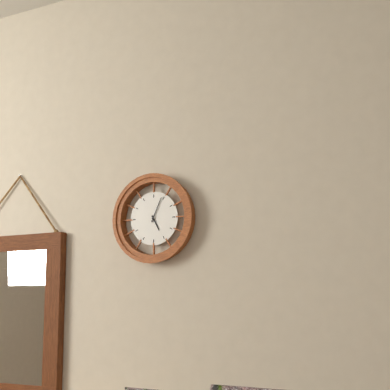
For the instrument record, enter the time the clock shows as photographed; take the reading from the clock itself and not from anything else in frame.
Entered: 5:04
